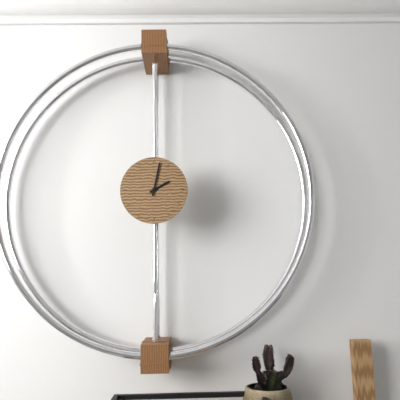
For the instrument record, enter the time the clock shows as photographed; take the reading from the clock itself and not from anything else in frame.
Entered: 2:02
